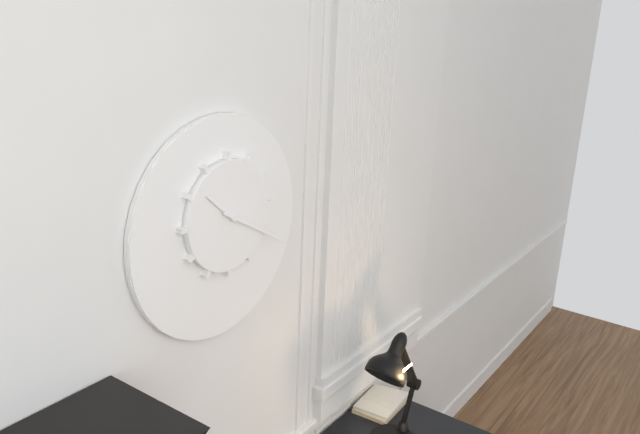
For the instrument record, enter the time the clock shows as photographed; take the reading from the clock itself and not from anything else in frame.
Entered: 10:20
